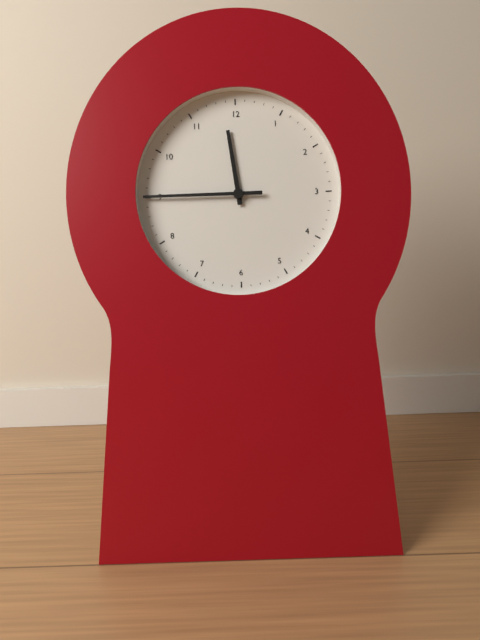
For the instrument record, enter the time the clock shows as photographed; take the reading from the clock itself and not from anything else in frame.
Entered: 11:45
